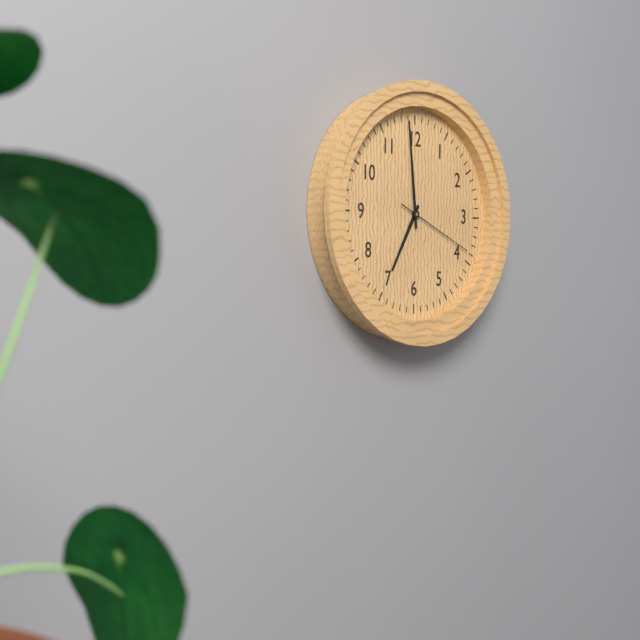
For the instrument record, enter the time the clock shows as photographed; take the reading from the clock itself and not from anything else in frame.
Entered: 6:59:19
